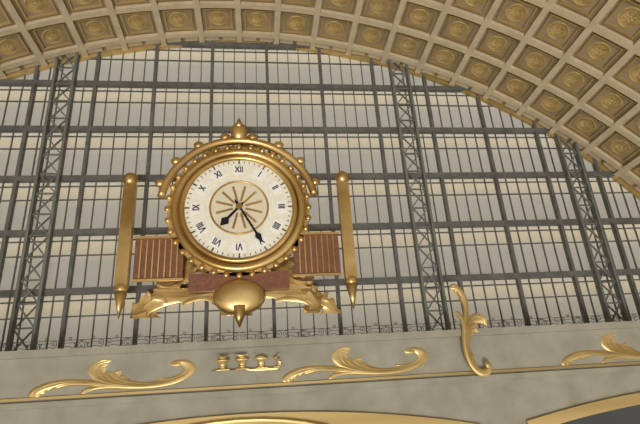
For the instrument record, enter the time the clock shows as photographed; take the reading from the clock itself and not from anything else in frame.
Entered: 7:25
